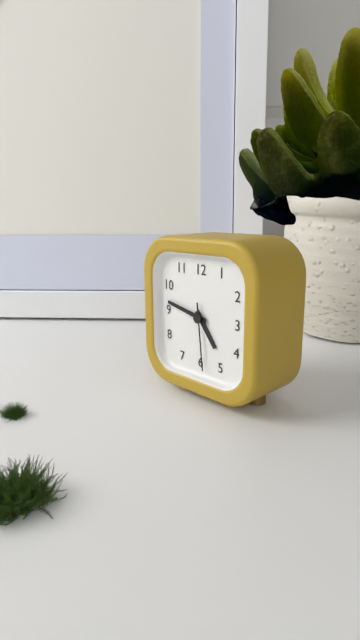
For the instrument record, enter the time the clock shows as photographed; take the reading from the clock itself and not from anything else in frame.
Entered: 4:47:29
